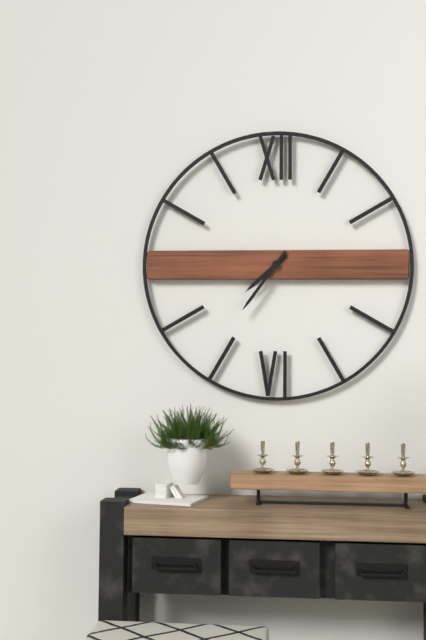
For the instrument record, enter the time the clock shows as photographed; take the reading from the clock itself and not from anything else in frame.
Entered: 7:36
